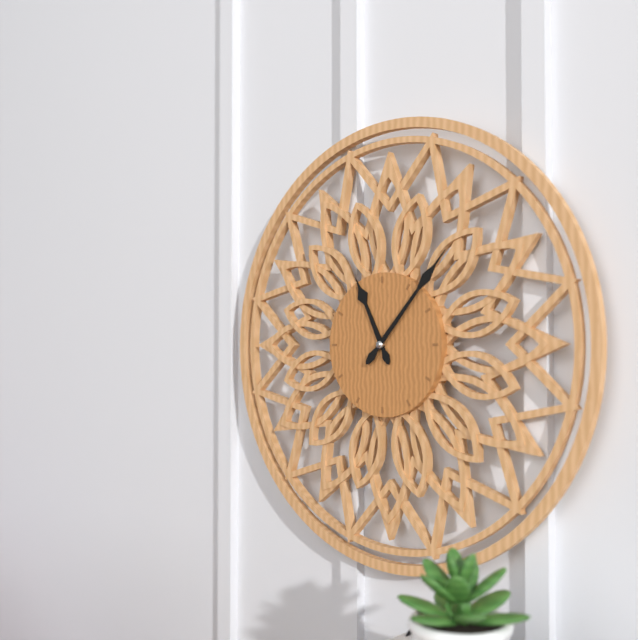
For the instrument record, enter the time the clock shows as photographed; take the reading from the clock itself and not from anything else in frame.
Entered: 11:07
